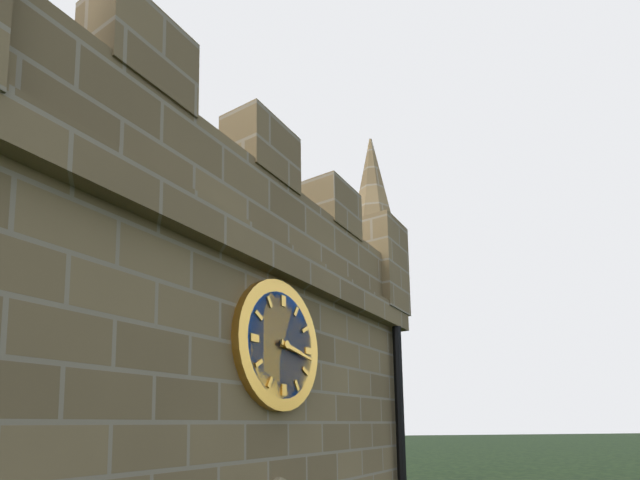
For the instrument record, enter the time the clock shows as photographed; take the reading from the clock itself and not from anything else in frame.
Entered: 3:17
